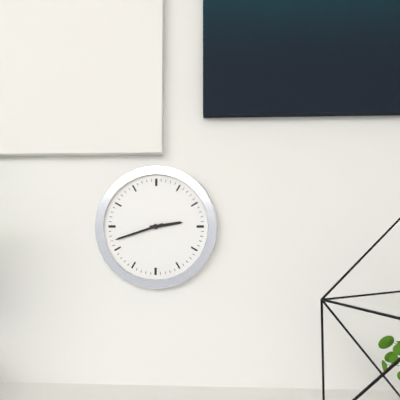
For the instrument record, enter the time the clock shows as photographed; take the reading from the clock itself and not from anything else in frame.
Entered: 2:42
